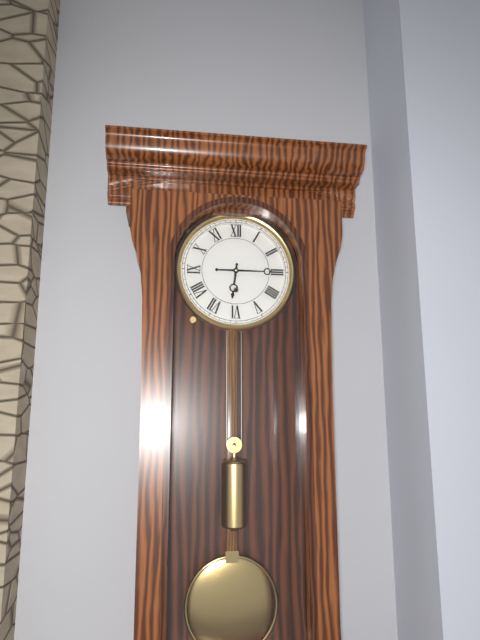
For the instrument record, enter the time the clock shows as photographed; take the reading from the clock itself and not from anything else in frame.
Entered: 6:15
